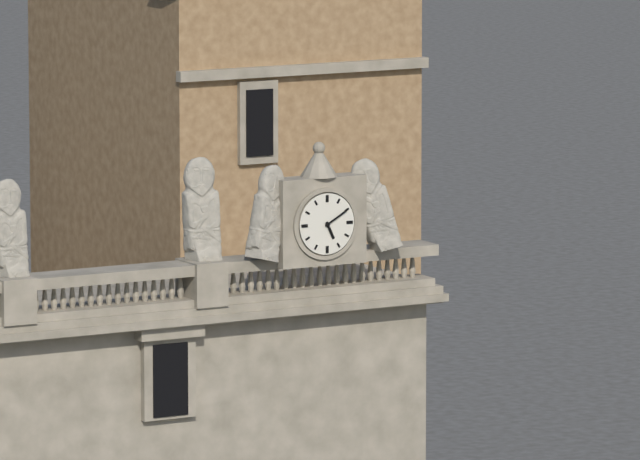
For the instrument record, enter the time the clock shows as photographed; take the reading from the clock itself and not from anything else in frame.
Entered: 5:10
